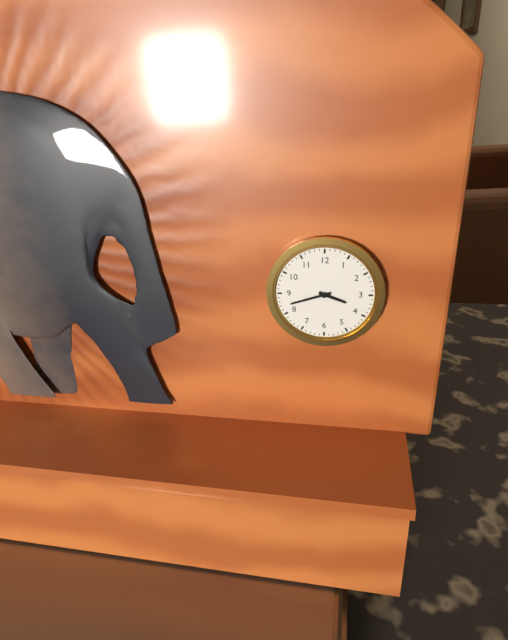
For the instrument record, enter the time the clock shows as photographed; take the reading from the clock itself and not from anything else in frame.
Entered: 3:42
